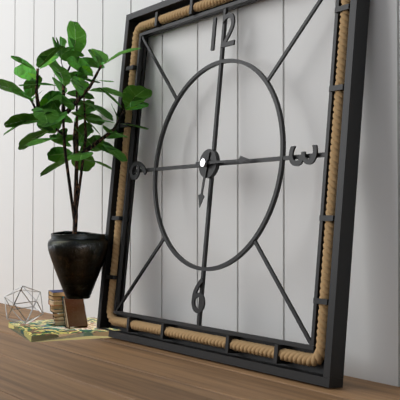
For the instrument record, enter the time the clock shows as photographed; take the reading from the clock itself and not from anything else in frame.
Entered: 6:15
